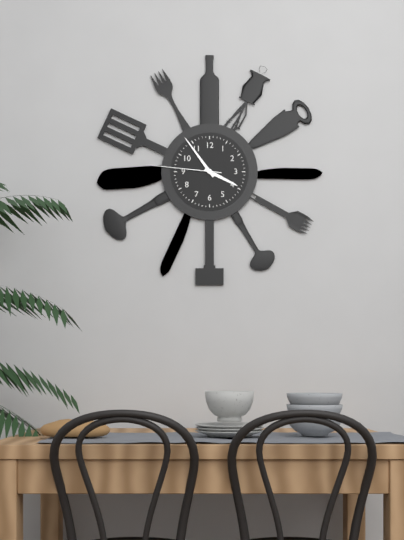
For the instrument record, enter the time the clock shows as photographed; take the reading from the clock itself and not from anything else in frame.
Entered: 3:54:46
